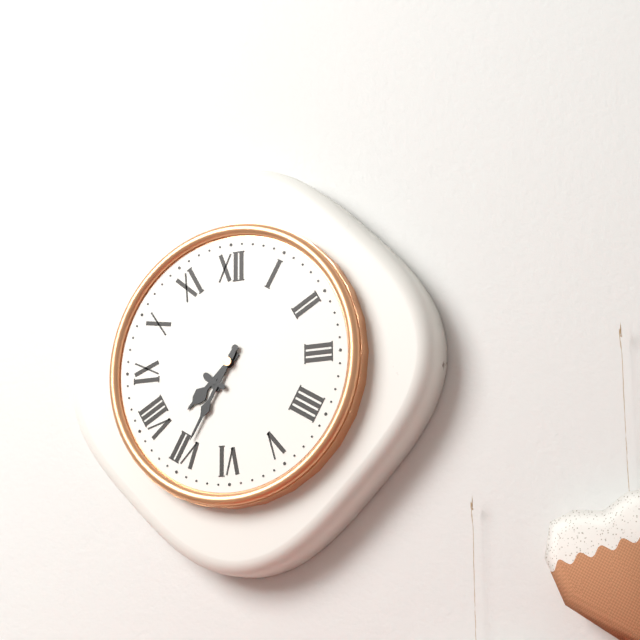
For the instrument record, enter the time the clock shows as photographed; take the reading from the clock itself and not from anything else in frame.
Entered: 7:35
